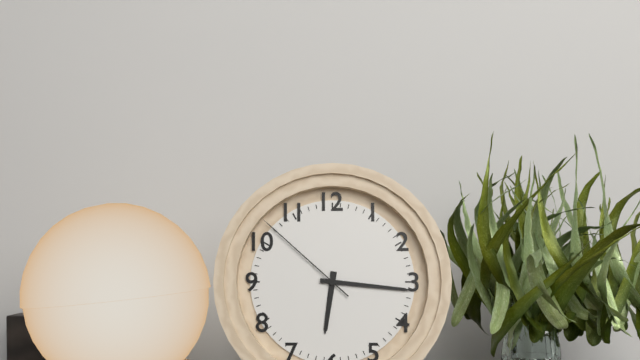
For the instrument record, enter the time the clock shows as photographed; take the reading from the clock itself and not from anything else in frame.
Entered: 6:16:52
